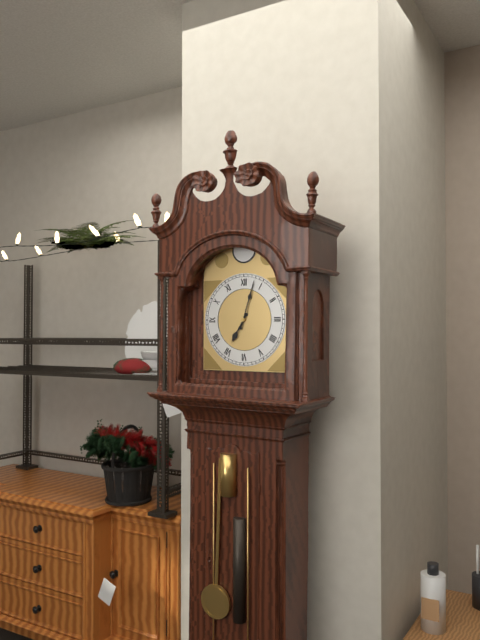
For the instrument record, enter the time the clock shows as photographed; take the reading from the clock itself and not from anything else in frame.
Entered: 7:03
